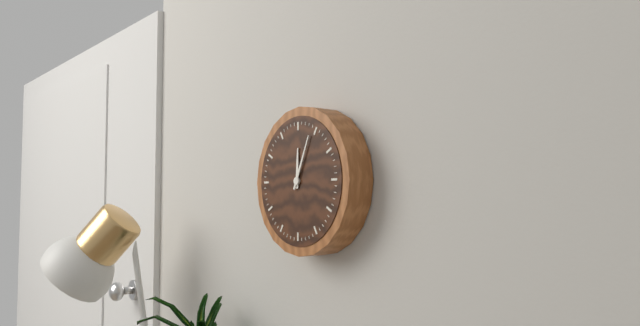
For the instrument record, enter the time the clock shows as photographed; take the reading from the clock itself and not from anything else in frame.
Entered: 12:04
